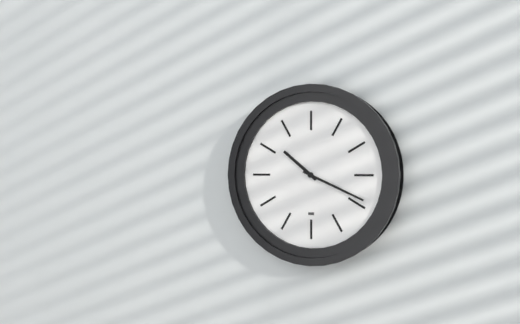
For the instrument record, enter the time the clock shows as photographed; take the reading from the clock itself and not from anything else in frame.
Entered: 10:19
